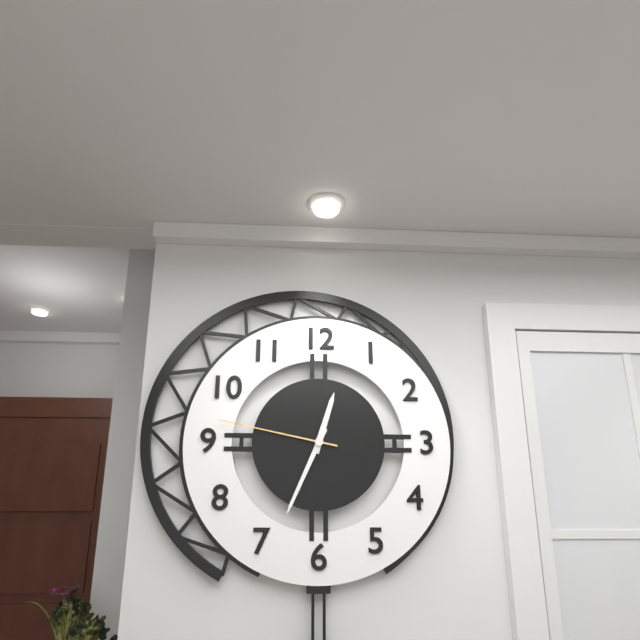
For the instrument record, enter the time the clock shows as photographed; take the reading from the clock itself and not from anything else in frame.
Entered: 12:34:47
